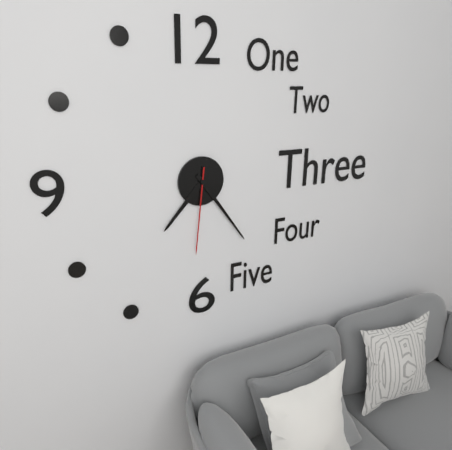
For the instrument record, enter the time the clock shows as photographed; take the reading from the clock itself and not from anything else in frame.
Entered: 7:24:31
